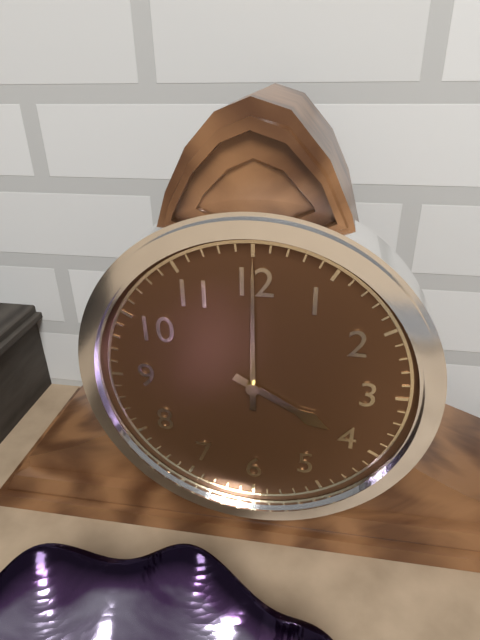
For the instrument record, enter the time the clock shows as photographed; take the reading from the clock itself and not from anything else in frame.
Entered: 4:00
